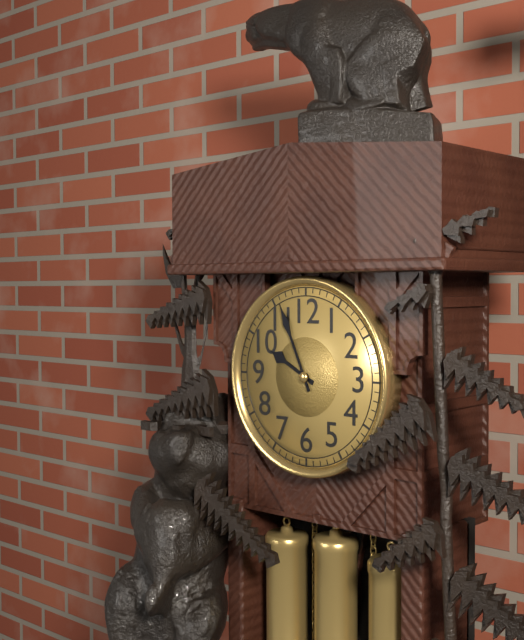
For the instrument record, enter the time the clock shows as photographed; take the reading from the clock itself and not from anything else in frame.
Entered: 9:56
